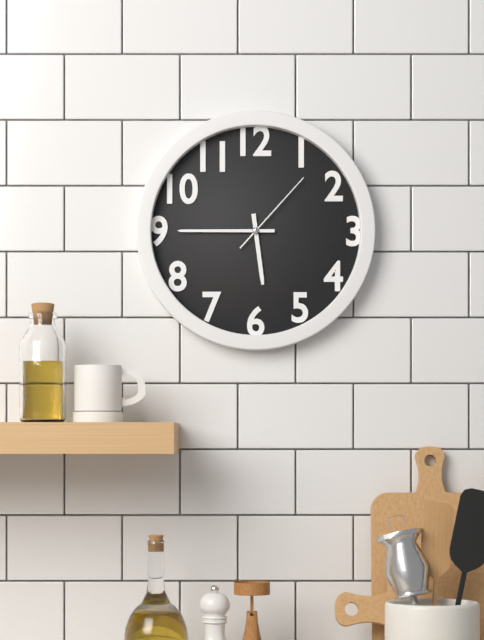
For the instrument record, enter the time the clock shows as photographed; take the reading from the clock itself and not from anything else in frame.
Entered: 5:45:07
